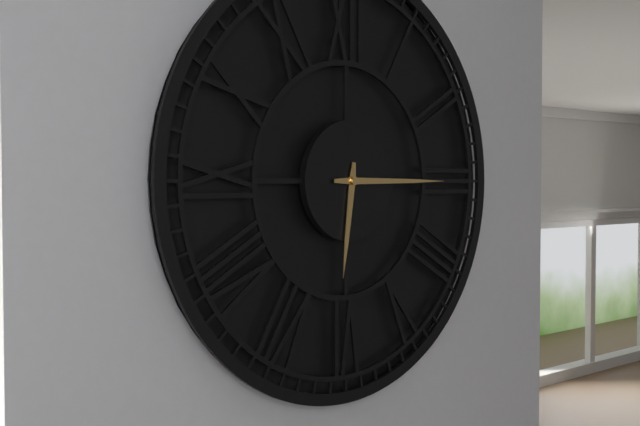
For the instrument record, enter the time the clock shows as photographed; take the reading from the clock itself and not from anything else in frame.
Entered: 6:15
